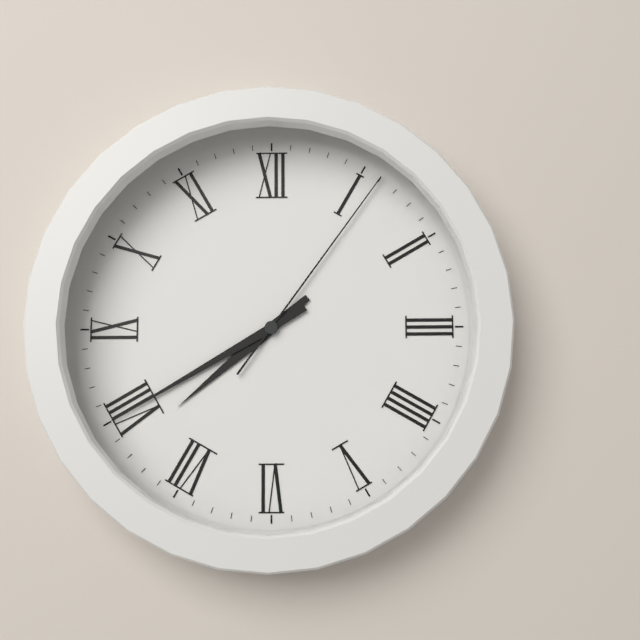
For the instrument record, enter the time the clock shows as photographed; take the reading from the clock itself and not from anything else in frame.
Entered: 7:40:06
